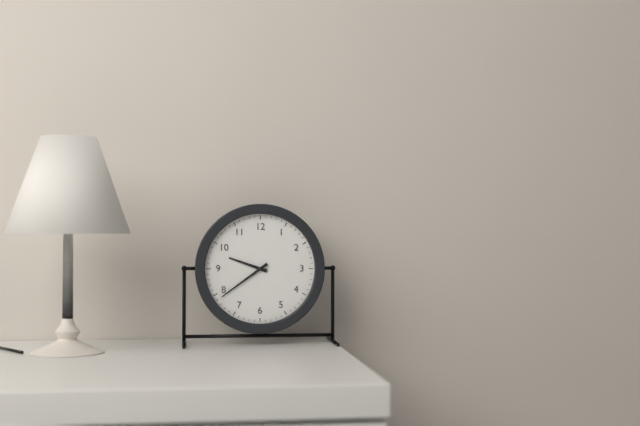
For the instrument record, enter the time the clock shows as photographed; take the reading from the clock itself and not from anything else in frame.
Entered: 9:39
